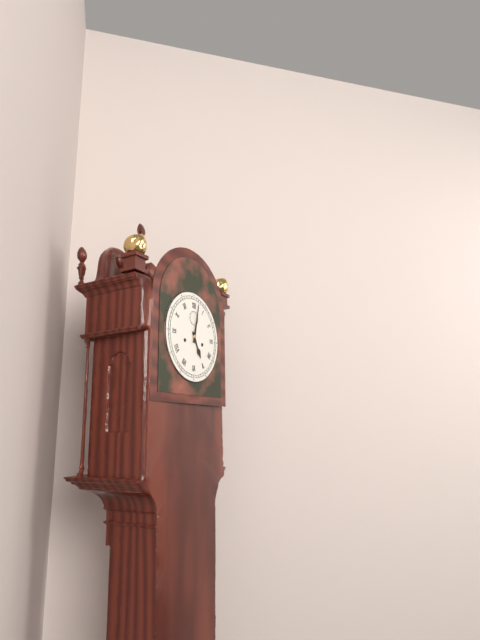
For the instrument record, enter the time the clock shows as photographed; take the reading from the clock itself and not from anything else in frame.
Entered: 5:02
